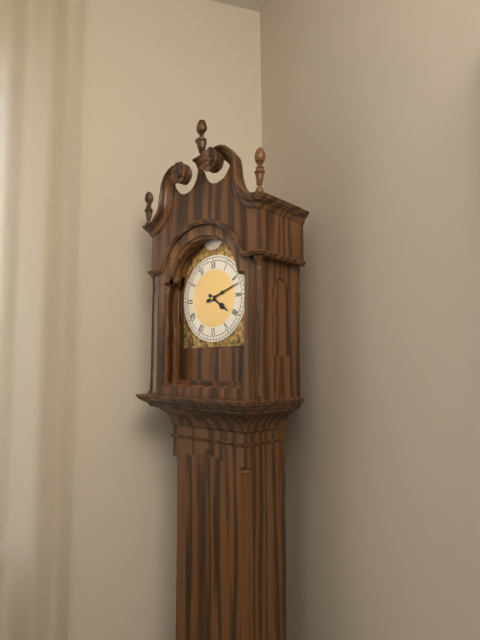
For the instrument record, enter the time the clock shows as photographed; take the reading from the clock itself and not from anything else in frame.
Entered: 4:12
